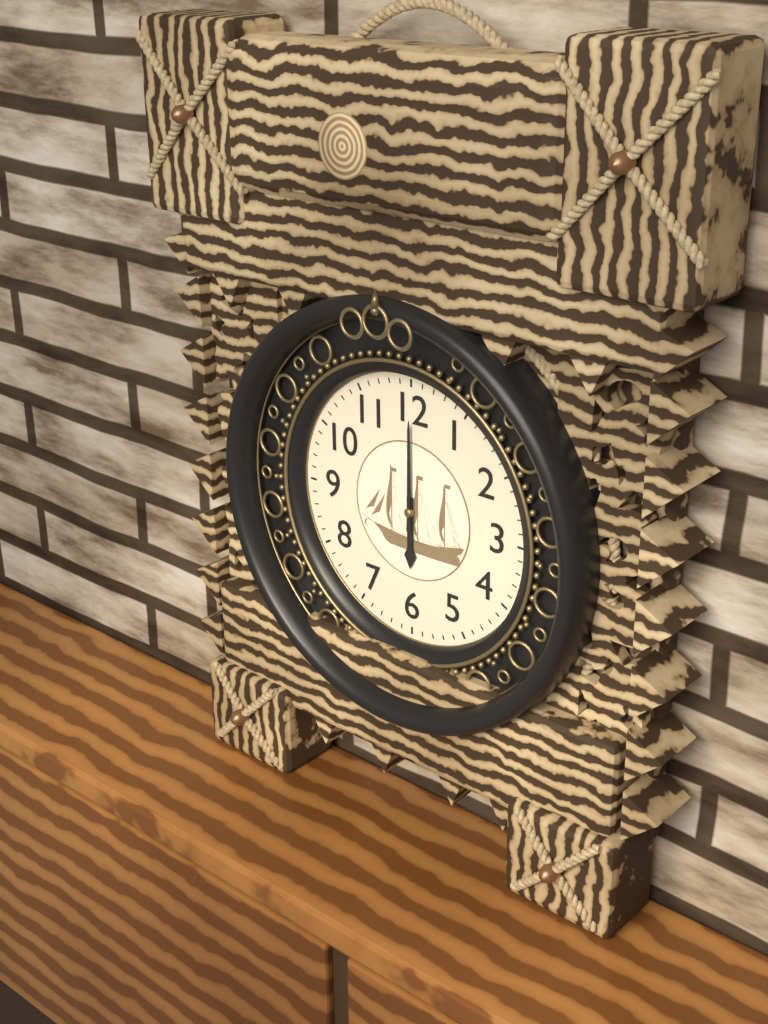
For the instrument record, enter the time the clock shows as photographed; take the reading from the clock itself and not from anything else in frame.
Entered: 6:00
